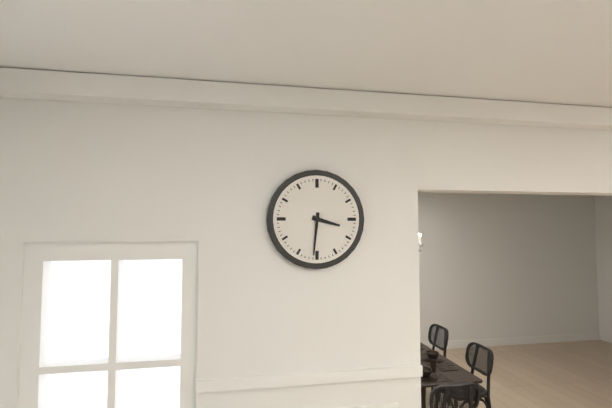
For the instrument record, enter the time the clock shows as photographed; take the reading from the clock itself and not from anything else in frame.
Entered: 3:31
